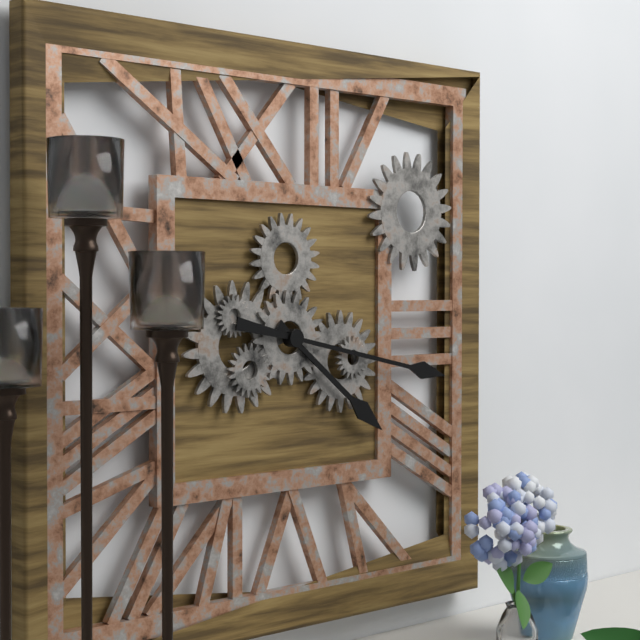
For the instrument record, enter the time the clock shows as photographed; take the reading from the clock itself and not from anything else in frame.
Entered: 4:17
